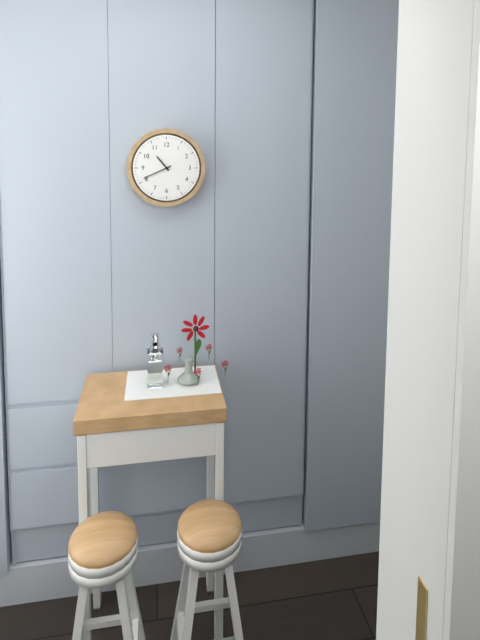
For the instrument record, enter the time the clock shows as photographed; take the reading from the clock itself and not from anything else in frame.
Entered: 10:41
